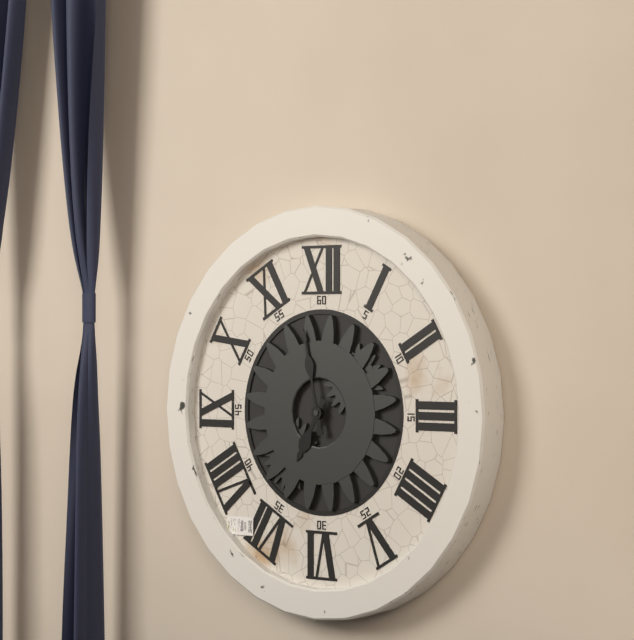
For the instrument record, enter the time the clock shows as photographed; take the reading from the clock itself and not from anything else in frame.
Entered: 6:58
